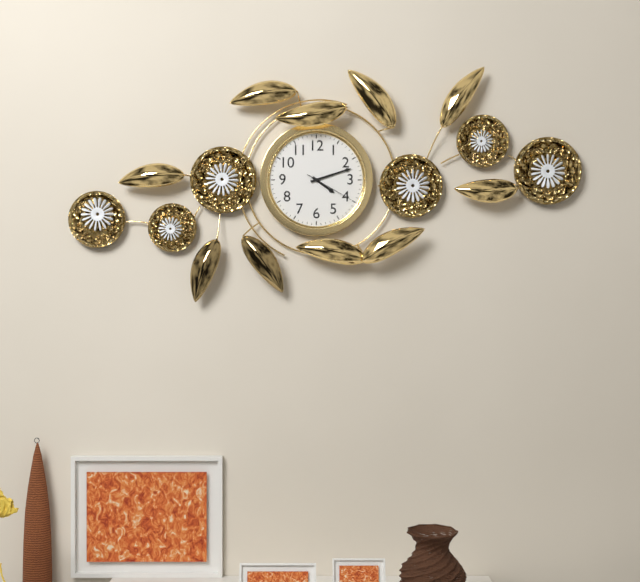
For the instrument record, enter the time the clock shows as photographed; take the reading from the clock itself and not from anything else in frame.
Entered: 4:12:20
